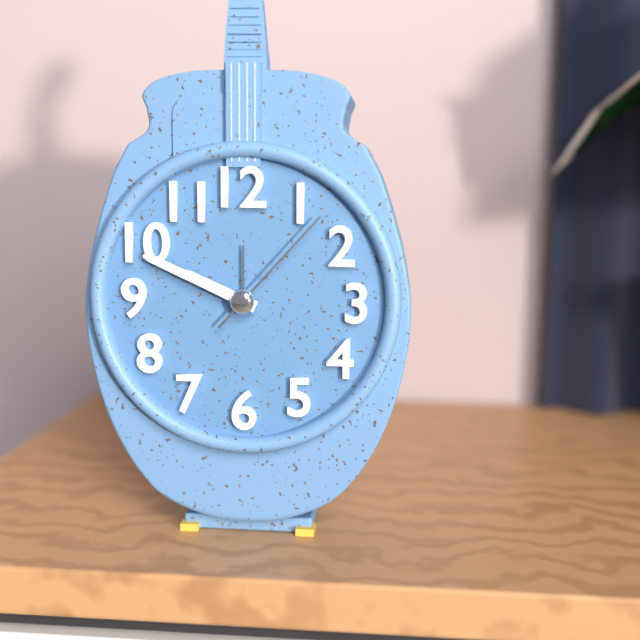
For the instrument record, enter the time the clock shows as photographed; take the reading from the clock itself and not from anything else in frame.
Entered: 9:49:07
